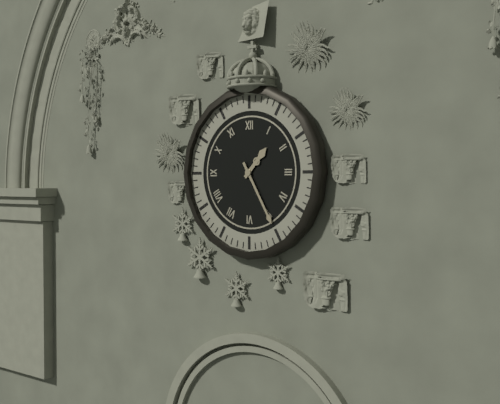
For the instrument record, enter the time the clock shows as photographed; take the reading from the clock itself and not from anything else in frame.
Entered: 1:25
